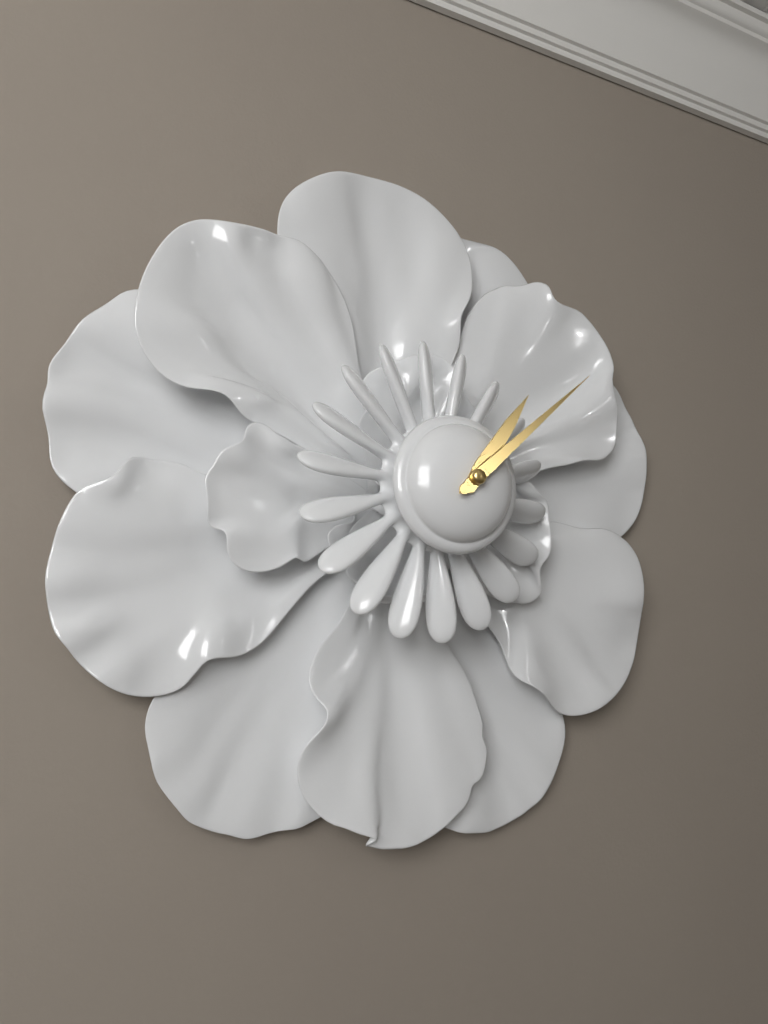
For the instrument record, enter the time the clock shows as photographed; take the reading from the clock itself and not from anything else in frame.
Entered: 1:08
